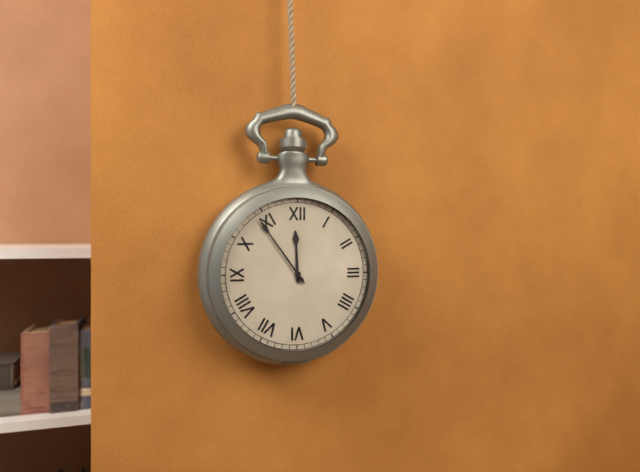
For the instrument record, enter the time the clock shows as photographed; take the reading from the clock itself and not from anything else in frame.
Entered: 11:54
